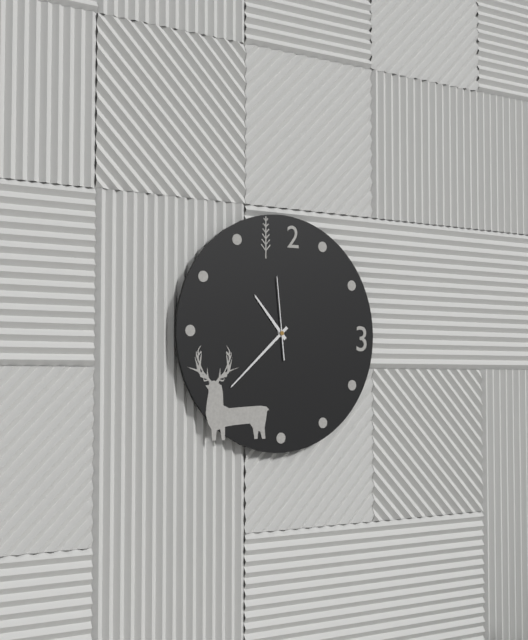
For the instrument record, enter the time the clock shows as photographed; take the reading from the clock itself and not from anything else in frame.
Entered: 10:38:59
